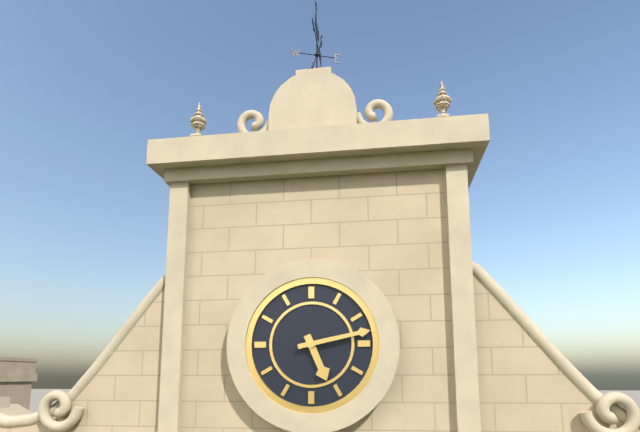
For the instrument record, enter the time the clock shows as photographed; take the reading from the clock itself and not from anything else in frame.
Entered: 5:13
